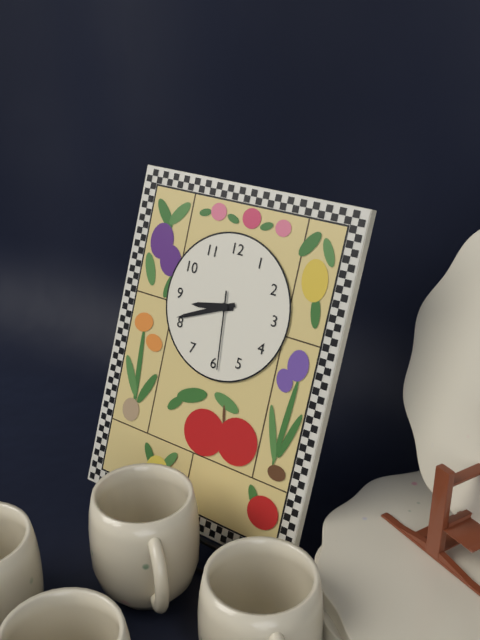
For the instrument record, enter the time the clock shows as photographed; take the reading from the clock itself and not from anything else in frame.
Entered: 8:41:29
